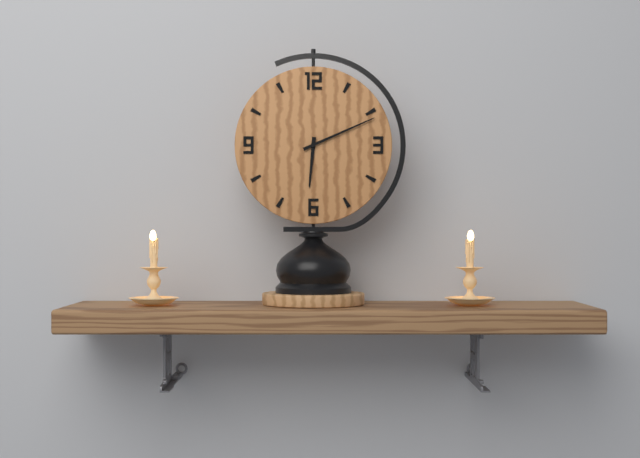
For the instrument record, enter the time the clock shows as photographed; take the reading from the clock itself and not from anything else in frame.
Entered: 6:11
